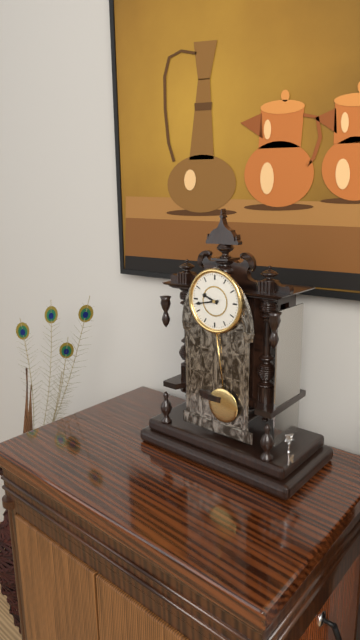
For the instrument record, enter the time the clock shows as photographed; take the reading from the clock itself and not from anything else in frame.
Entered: 9:43
